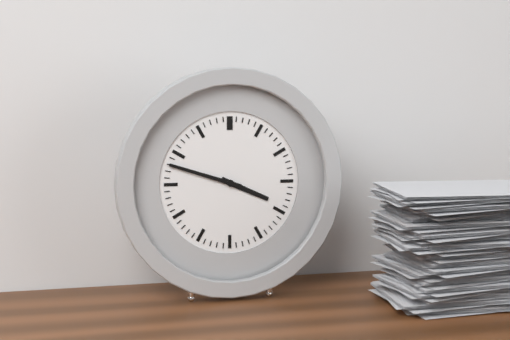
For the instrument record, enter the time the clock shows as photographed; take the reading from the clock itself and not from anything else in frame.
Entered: 3:48
